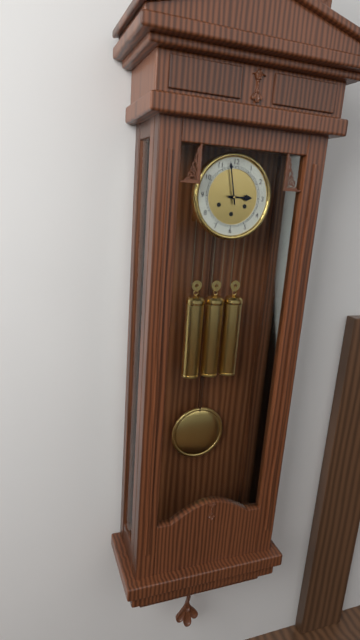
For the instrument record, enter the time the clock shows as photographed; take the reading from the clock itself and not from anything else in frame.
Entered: 2:58
